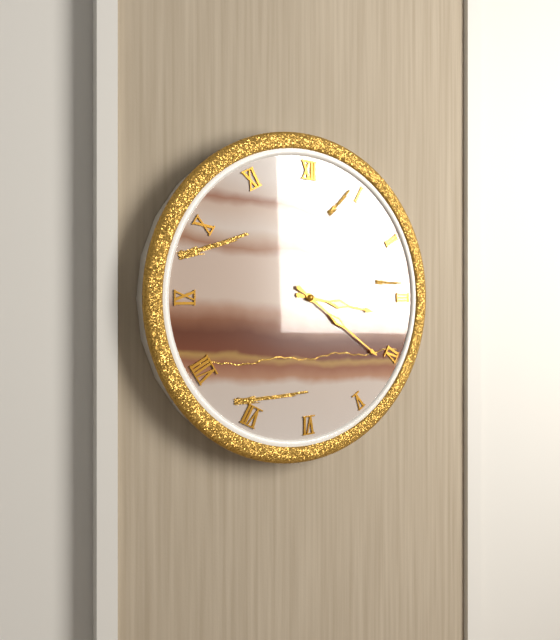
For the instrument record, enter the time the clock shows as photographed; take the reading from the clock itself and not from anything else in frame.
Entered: 3:21
